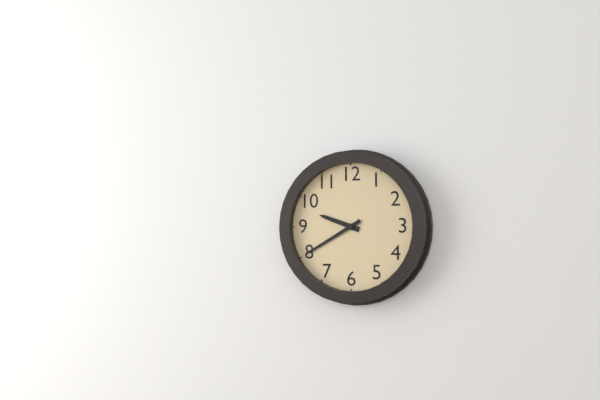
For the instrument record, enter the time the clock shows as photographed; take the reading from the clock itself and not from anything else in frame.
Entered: 9:40
